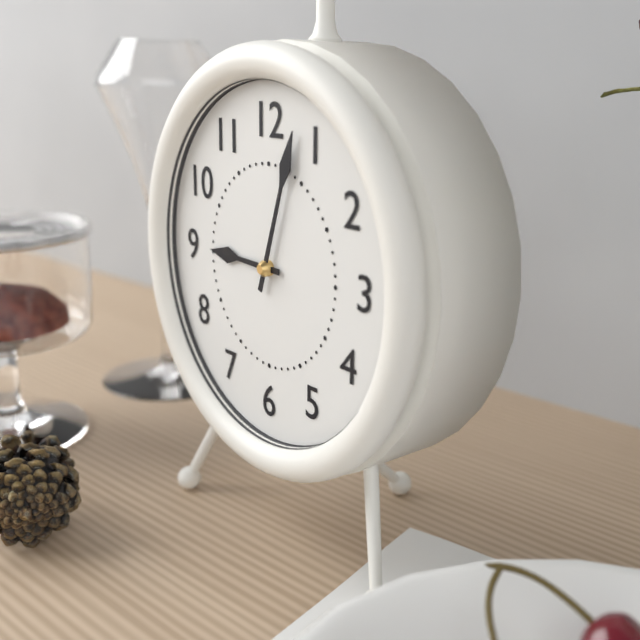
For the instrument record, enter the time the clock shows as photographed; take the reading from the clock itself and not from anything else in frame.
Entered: 9:03
